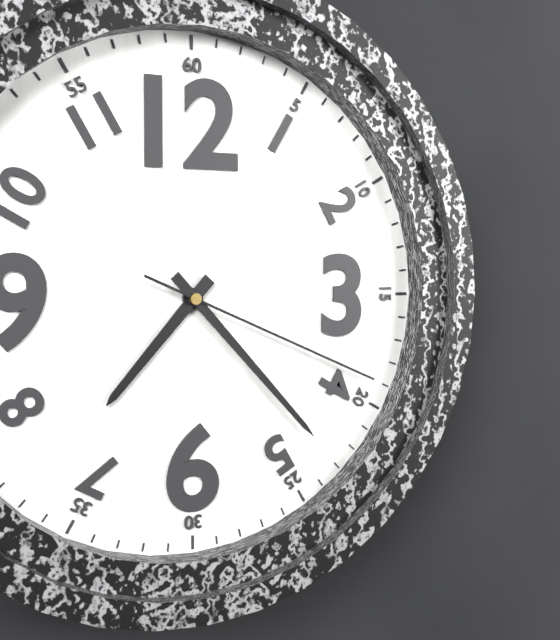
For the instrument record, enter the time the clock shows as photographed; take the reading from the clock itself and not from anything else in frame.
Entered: 7:23:19
